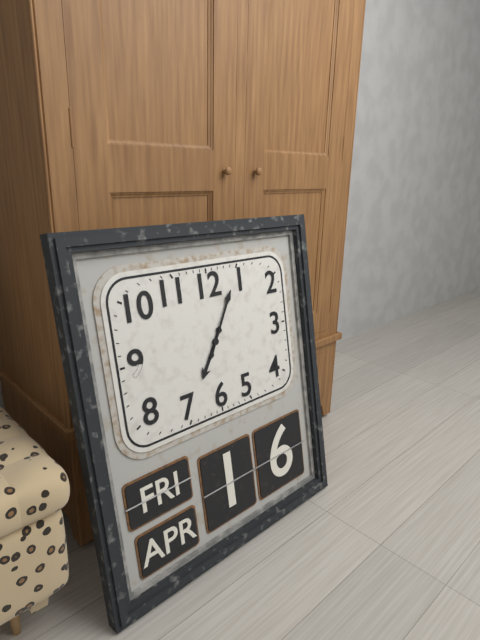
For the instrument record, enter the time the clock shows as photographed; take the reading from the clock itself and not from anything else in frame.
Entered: 7:05
